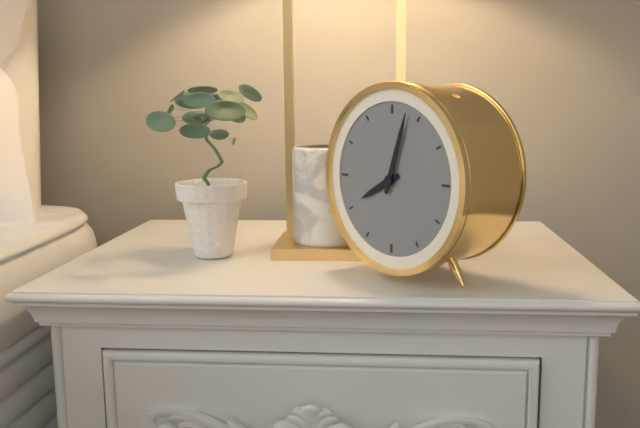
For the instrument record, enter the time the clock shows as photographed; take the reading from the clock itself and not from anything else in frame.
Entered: 8:03
